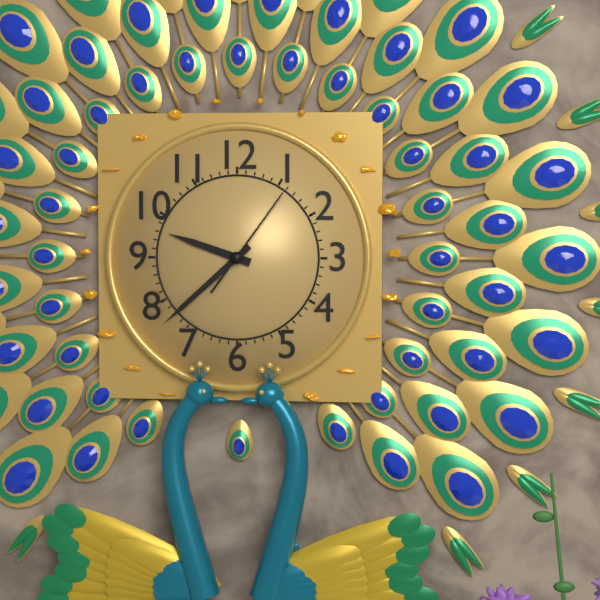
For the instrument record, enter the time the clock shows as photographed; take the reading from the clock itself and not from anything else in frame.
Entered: 9:38:06
